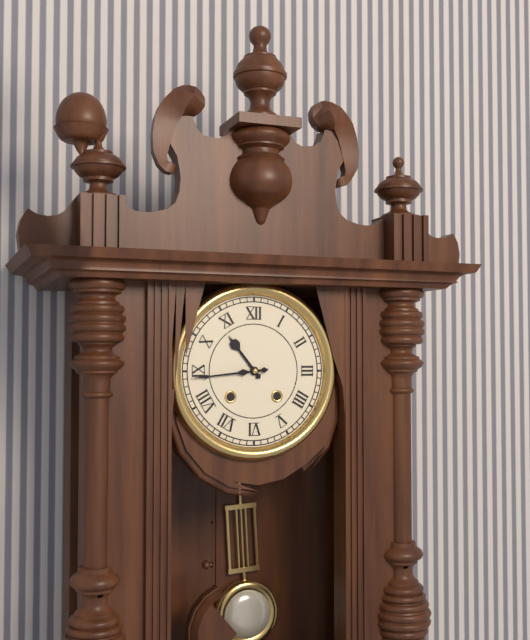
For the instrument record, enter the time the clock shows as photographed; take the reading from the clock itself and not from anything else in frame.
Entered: 10:44
